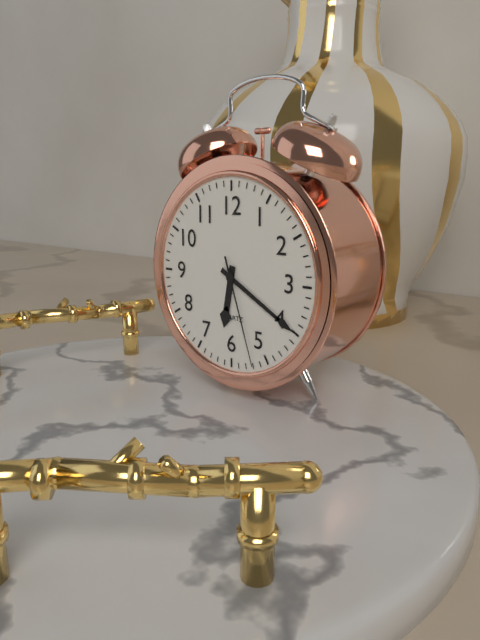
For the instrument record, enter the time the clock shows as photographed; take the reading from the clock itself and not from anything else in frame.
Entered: 6:20:27
